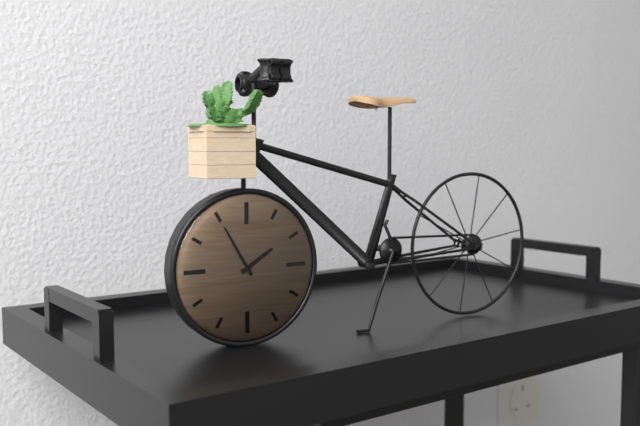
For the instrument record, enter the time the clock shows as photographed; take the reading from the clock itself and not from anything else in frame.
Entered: 1:55
